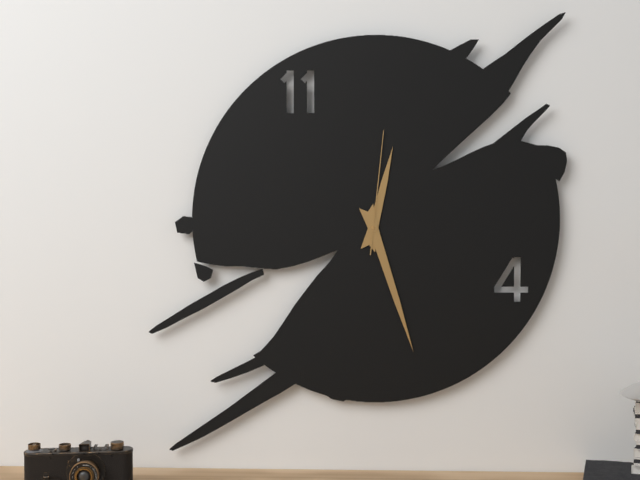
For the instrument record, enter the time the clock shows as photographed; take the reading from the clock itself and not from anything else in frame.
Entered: 12:27:01
